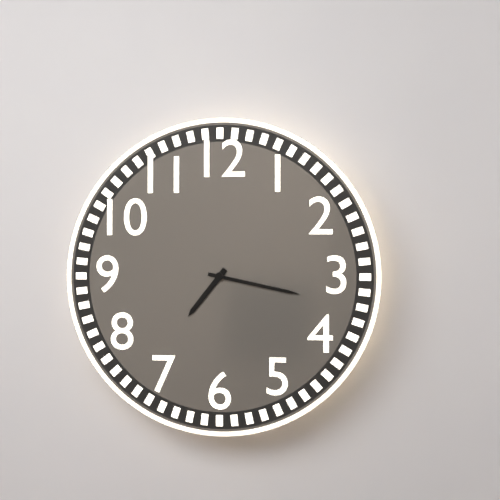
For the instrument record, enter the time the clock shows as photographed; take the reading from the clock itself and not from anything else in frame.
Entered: 7:17
